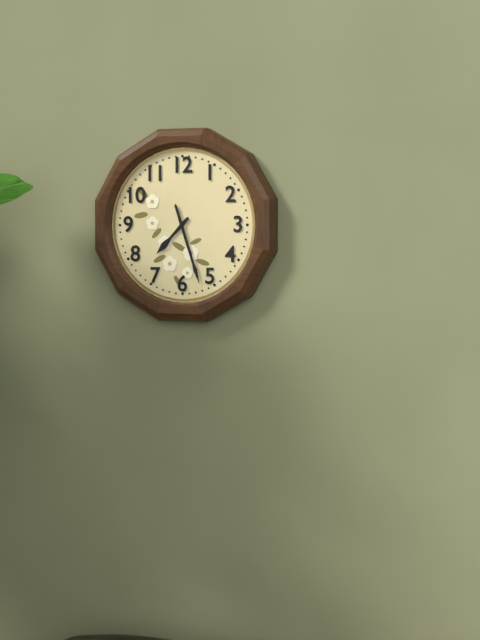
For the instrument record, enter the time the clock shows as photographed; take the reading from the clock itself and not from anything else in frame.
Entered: 7:27
